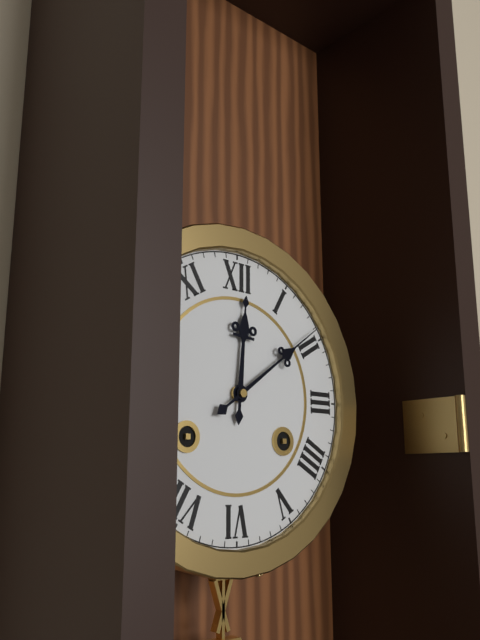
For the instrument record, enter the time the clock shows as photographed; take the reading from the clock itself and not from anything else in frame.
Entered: 12:09
